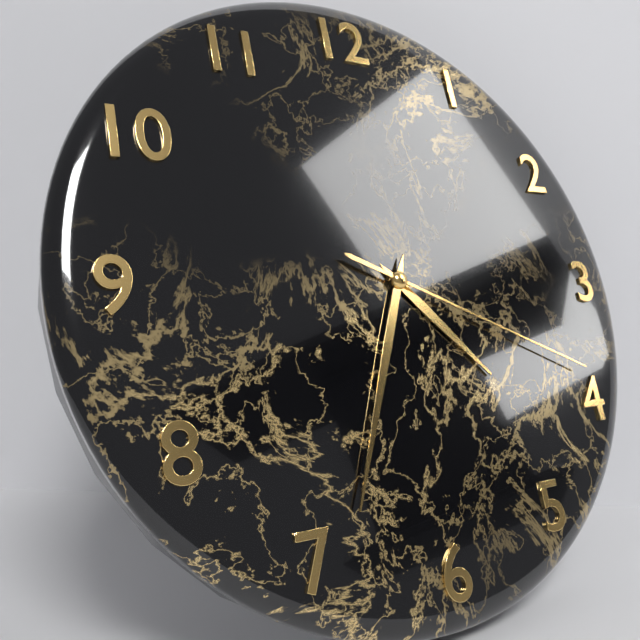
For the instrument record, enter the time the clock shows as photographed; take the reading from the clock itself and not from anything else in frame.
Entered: 4:34:19
